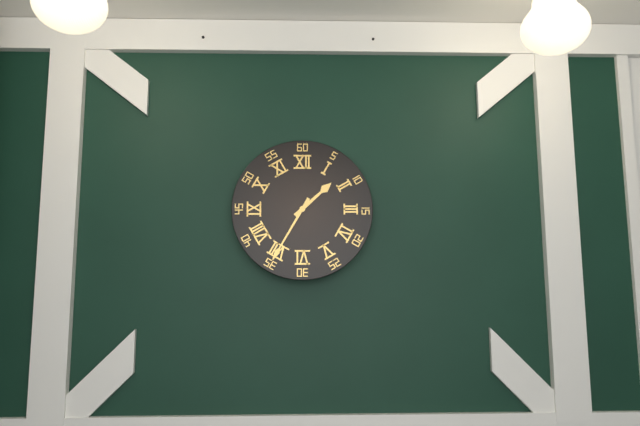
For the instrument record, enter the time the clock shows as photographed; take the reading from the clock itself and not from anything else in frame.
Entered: 1:35
